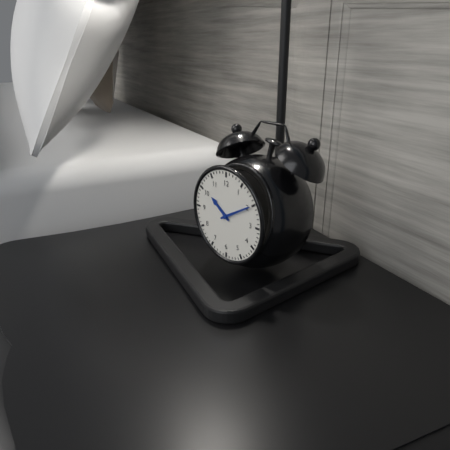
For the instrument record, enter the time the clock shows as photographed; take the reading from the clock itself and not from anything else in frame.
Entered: 10:10
